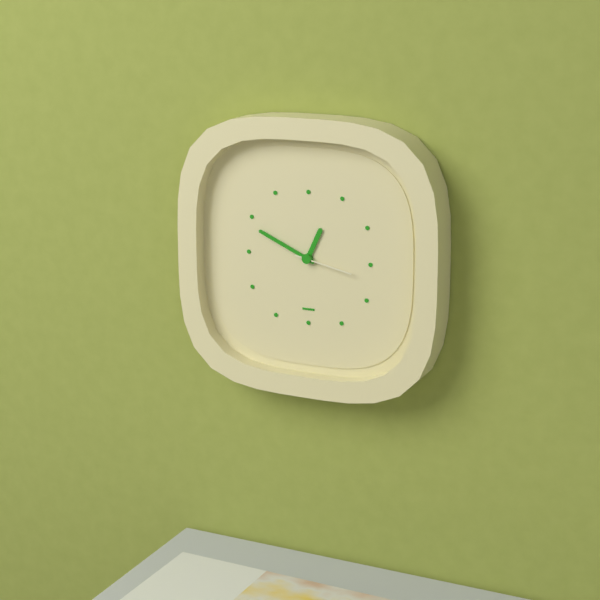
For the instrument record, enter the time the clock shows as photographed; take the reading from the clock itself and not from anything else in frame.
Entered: 12:49:17
